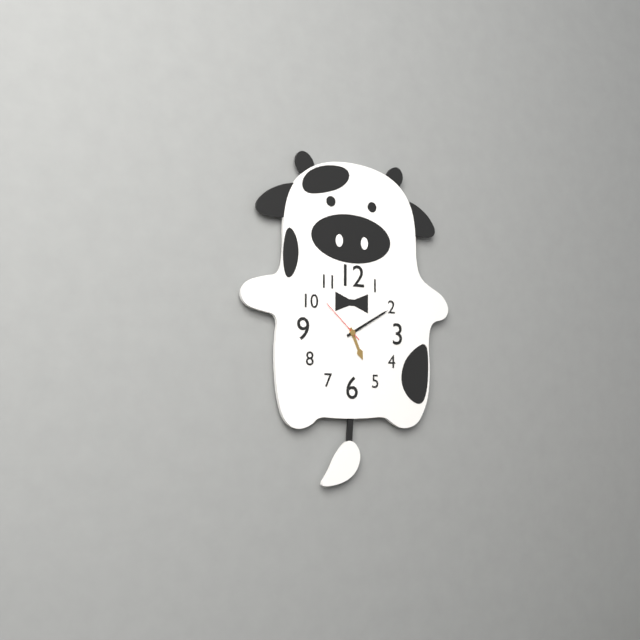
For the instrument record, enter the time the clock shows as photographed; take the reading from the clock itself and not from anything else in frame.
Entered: 5:10
